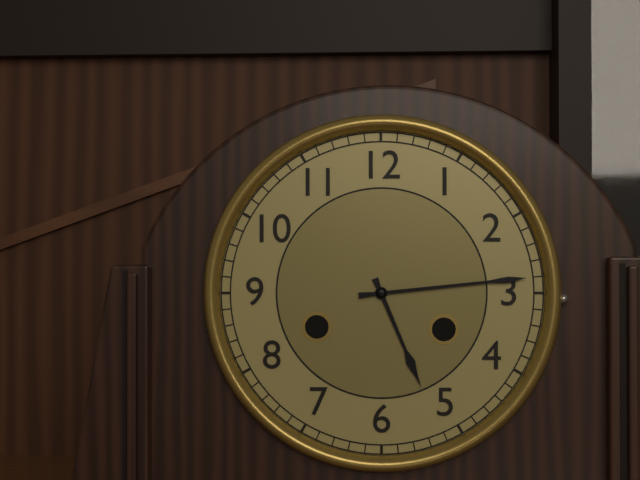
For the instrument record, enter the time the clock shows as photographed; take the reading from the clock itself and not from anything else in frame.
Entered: 5:14
